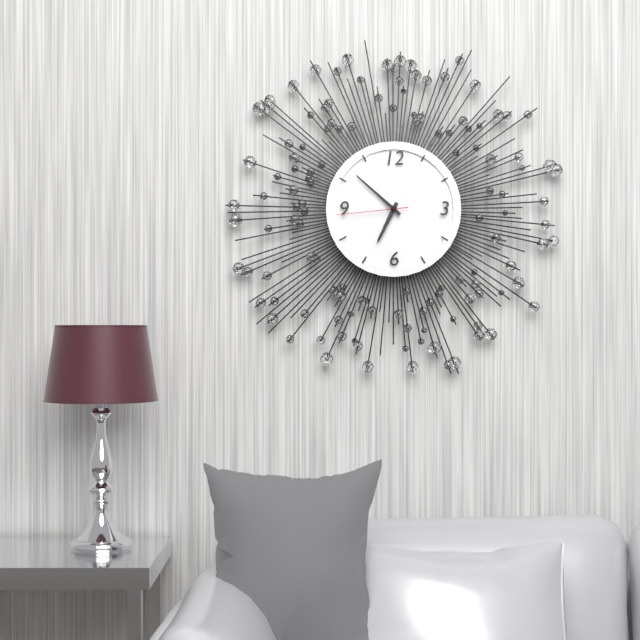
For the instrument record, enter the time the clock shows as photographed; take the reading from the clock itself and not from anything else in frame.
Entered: 6:52:44
